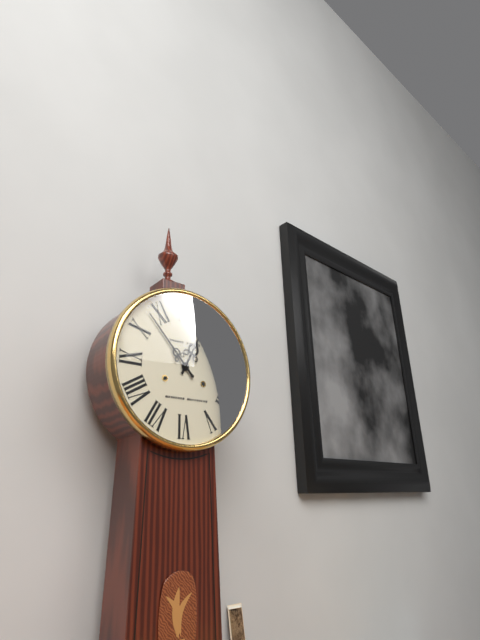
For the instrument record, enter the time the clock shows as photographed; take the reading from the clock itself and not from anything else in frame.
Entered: 12:53
